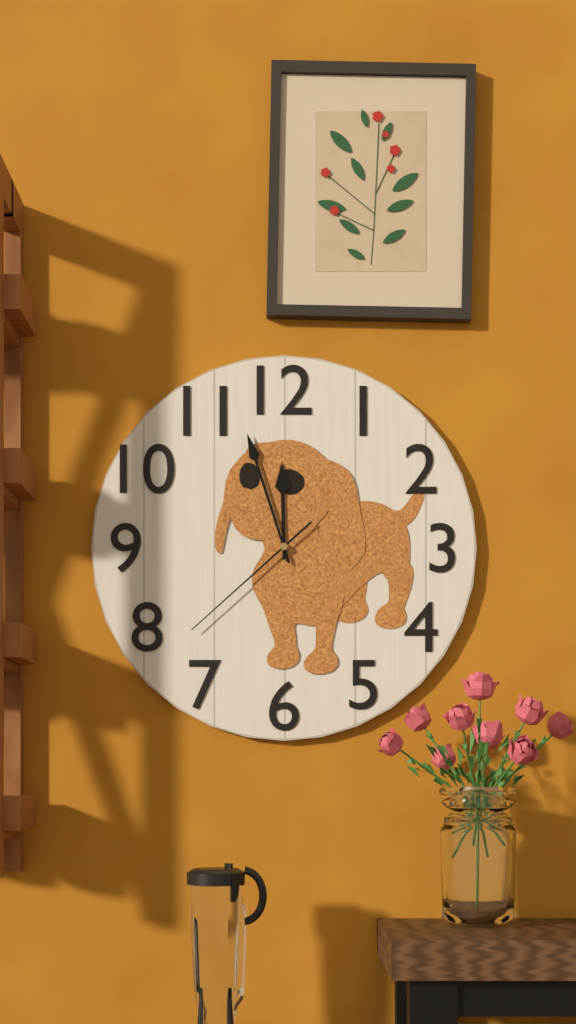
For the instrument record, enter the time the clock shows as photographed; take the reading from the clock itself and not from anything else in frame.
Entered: 11:57:38
